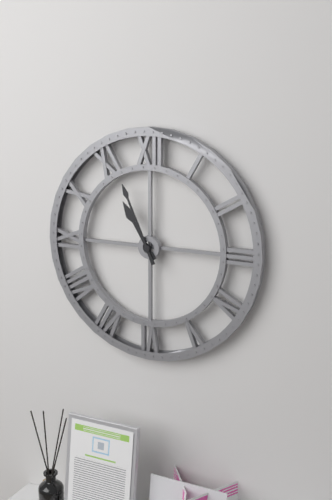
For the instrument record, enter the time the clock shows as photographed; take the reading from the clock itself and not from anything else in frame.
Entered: 10:56
